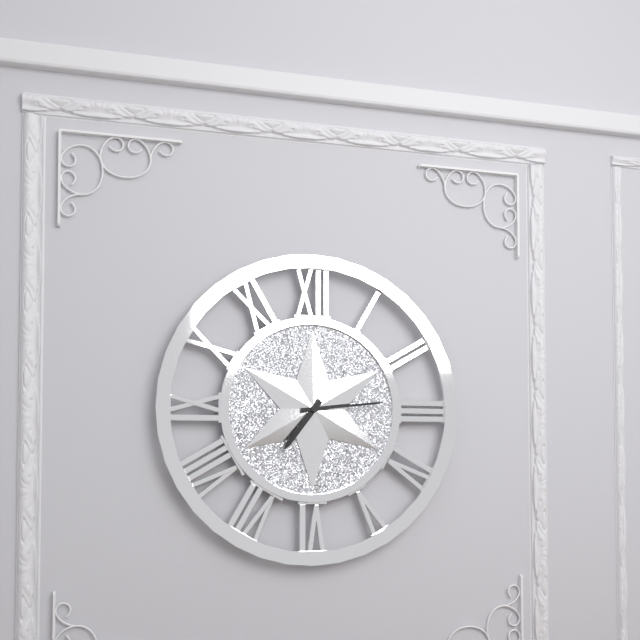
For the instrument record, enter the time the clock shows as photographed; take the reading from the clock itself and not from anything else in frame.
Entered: 7:14
